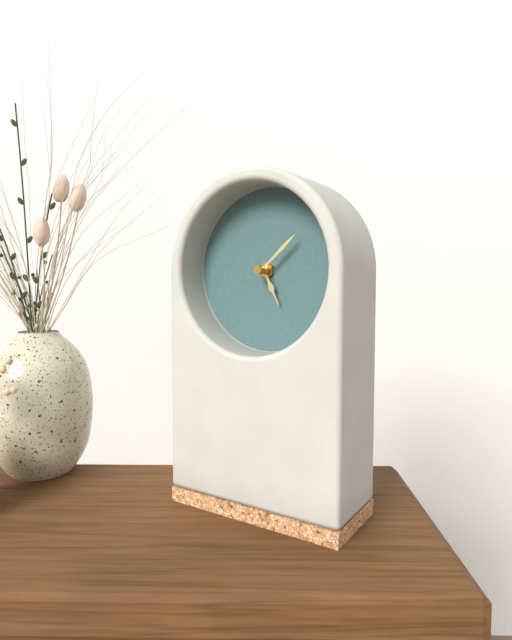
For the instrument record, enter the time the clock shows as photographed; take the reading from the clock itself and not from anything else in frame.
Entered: 5:08
